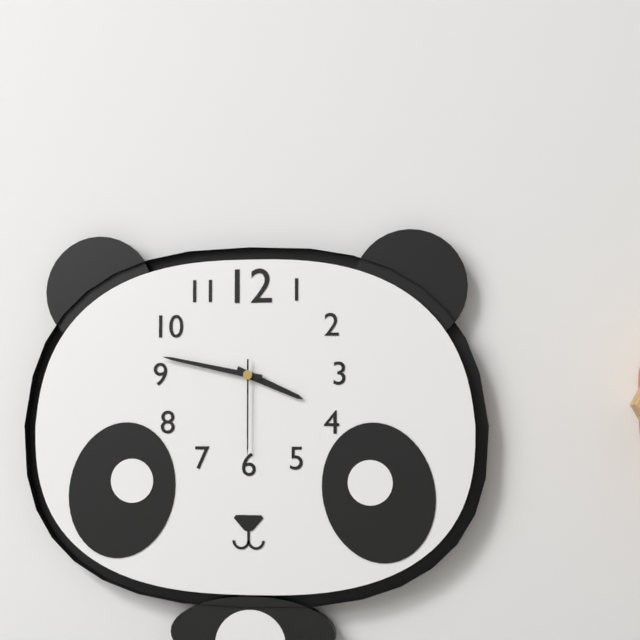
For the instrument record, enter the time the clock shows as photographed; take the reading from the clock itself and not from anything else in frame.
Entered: 3:47:30
